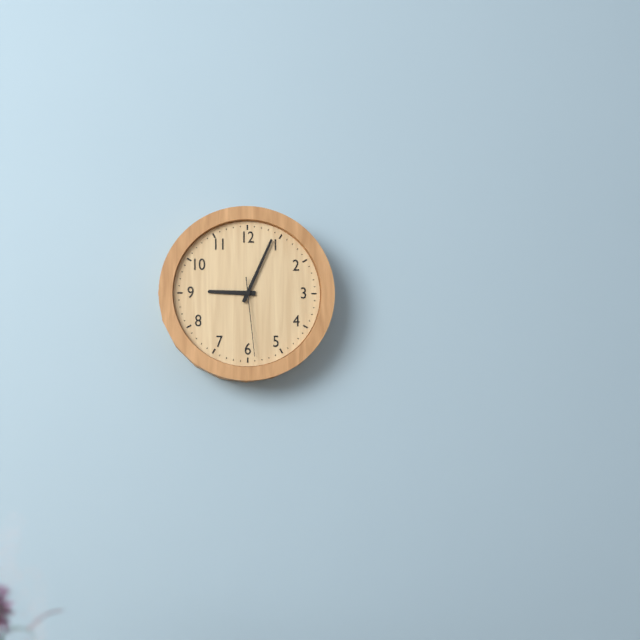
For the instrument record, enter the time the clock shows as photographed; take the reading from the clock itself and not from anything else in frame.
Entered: 9:04:29
